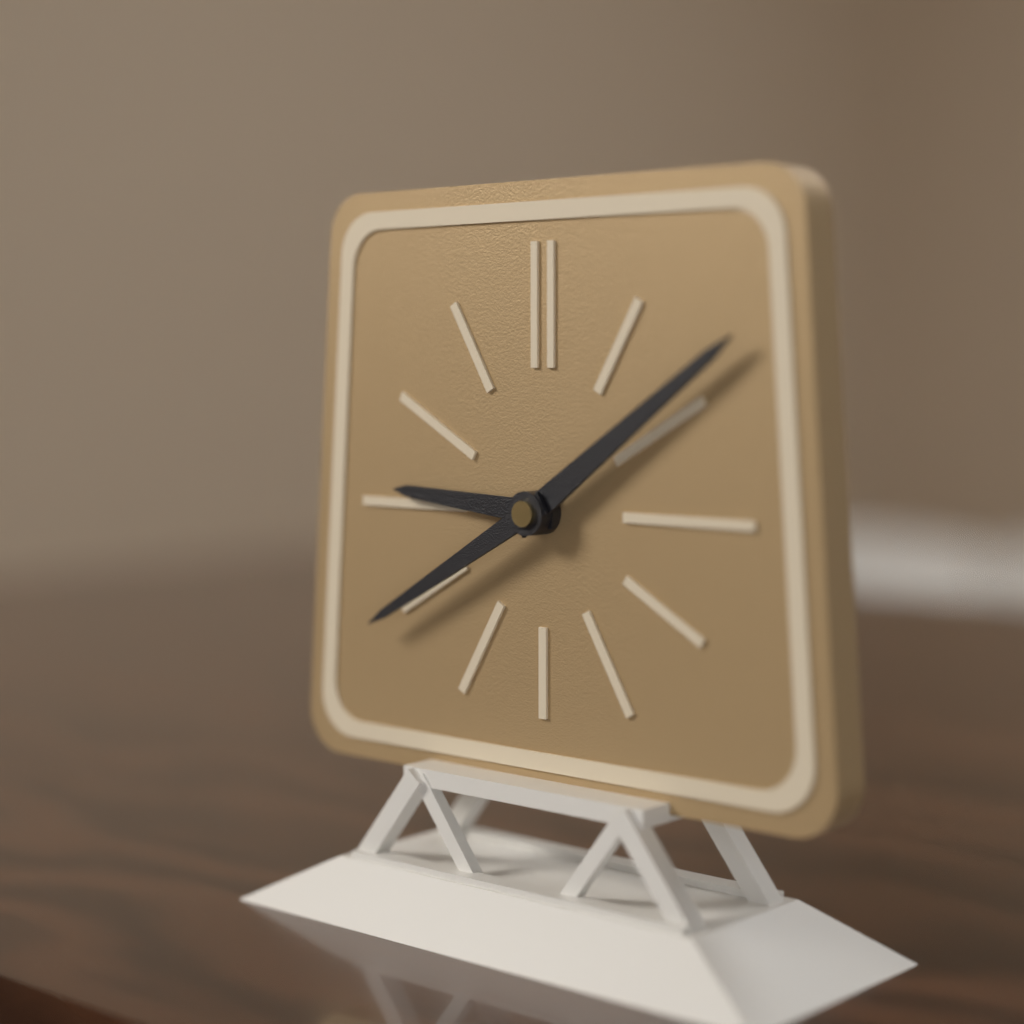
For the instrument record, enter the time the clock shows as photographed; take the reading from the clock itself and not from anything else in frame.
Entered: 9:09:40
